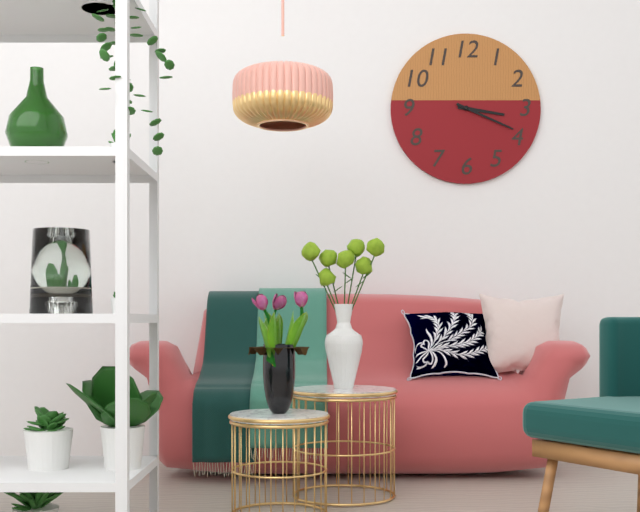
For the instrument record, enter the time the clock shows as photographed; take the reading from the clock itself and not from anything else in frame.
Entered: 3:19
